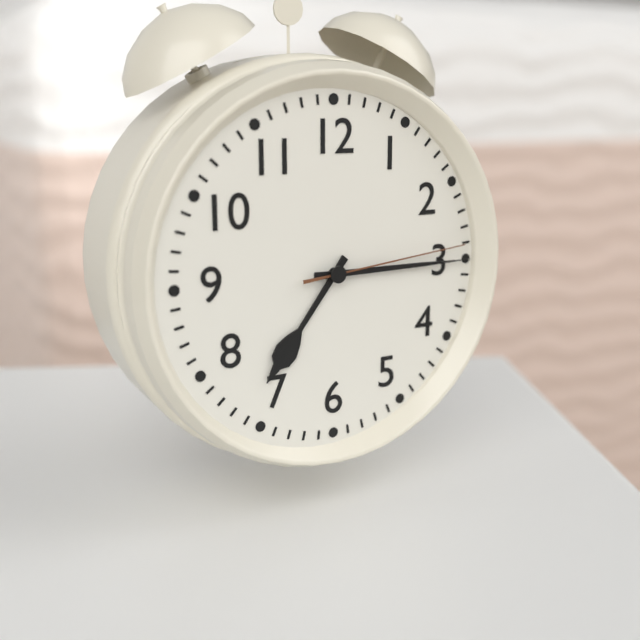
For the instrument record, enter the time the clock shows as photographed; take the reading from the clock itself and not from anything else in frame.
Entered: 7:15:14
